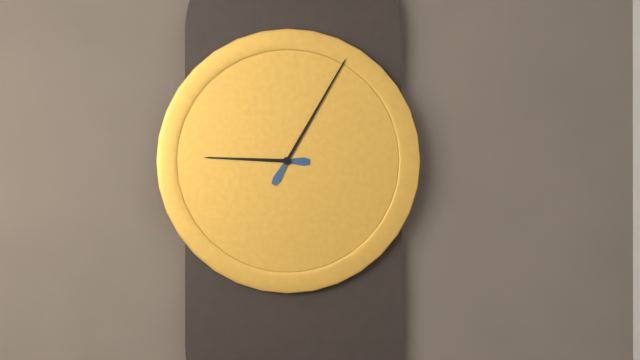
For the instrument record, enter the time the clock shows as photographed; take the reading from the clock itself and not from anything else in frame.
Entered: 9:05
